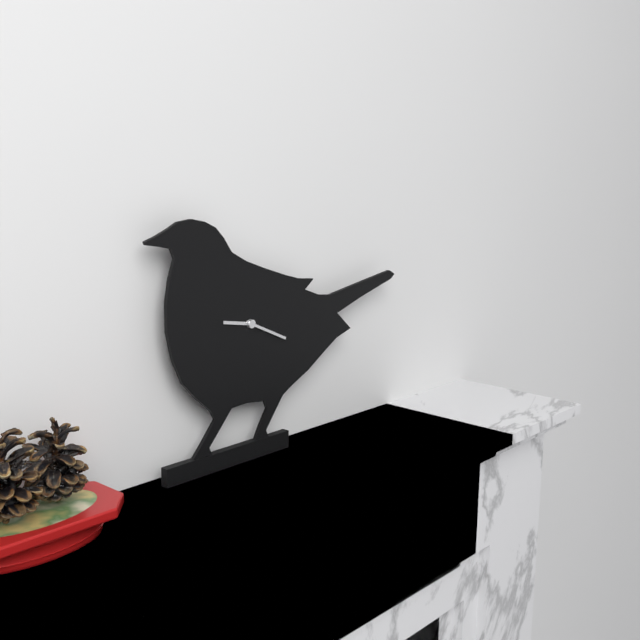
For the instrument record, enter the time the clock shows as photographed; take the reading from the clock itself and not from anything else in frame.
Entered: 9:19
